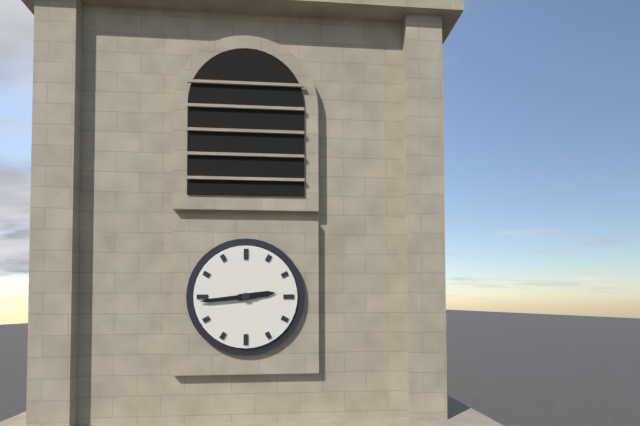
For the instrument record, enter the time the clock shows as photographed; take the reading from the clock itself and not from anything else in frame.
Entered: 2:44
